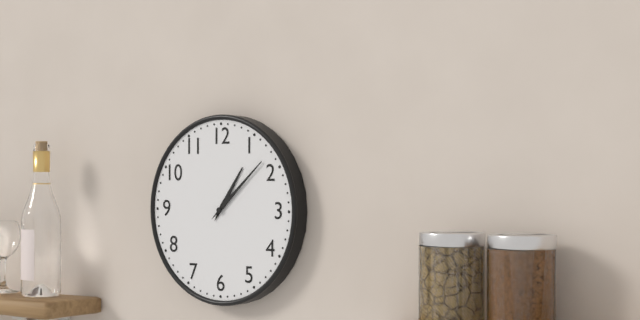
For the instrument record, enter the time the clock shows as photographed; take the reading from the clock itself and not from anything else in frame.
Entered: 1:08
